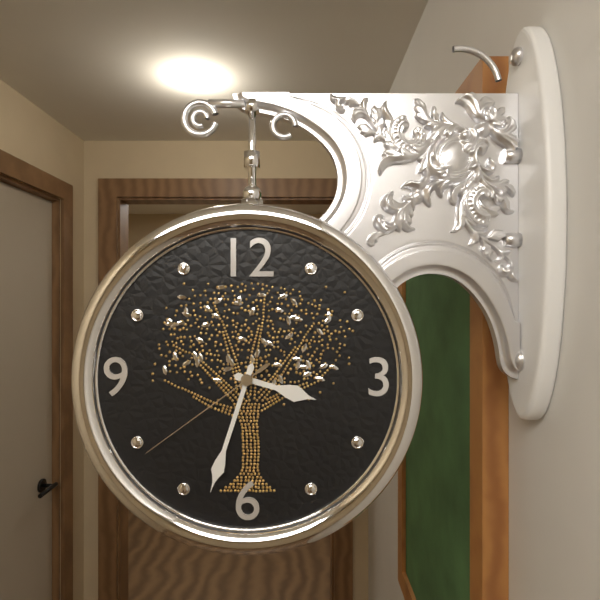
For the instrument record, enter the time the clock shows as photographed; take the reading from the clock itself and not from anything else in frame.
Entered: 3:33:39
